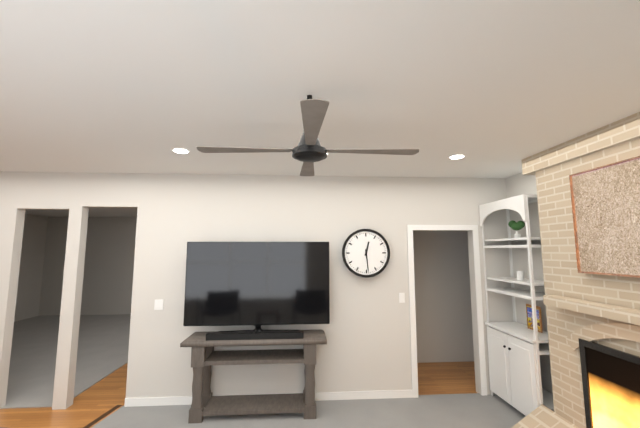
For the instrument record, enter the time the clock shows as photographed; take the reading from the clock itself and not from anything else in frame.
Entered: 12:29
